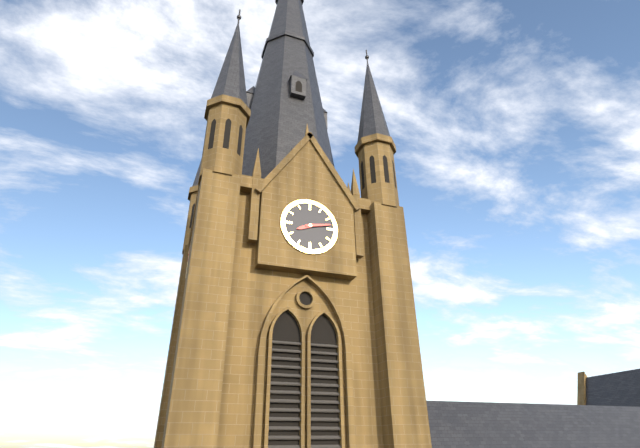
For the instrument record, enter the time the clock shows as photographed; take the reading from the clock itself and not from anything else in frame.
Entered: 8:13
